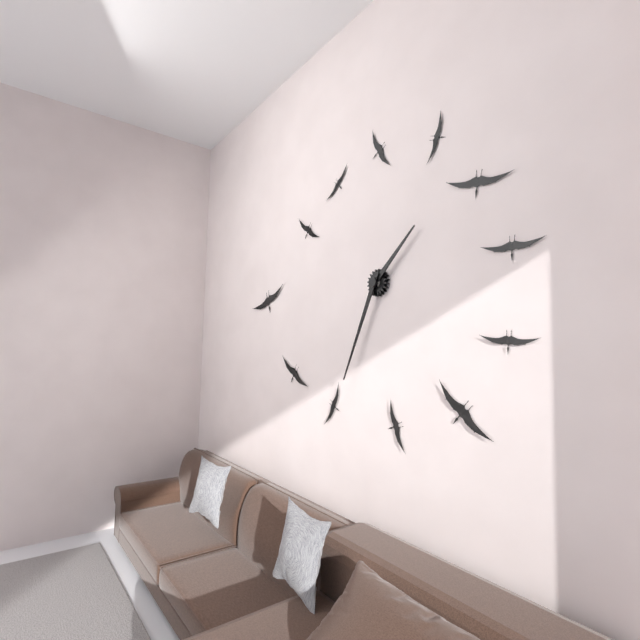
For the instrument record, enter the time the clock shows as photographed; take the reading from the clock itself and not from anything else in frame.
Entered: 1:34
